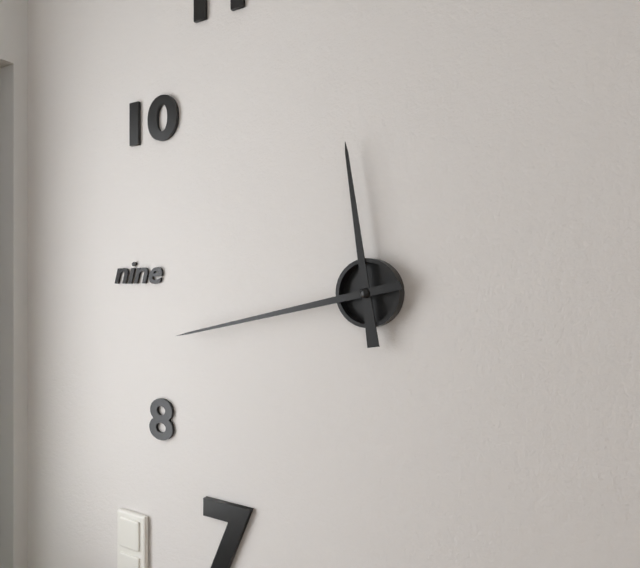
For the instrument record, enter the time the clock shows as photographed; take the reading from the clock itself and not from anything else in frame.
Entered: 11:43
